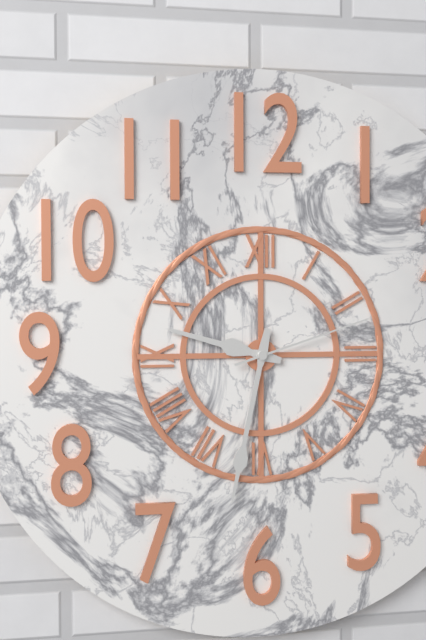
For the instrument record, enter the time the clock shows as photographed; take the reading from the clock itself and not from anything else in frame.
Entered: 9:32:12
